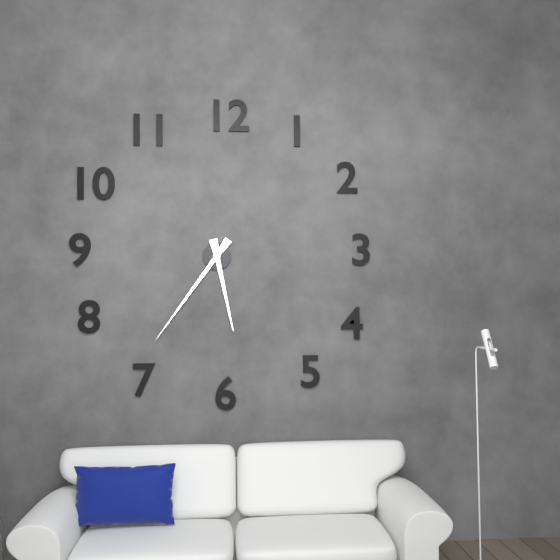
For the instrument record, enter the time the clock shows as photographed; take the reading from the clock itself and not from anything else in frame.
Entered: 5:36
